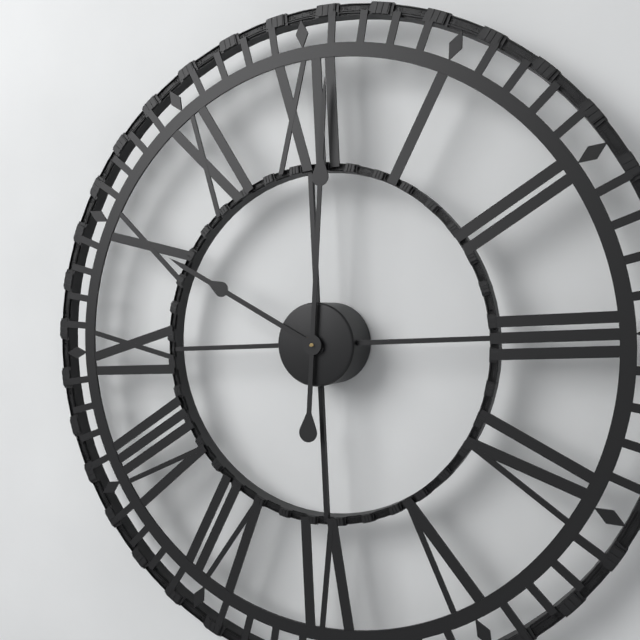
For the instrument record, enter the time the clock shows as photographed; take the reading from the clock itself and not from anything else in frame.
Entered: 10:01
